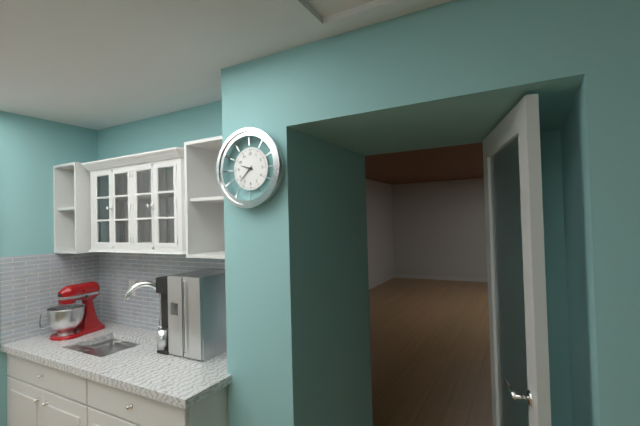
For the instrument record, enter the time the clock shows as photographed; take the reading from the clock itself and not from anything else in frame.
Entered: 9:38
